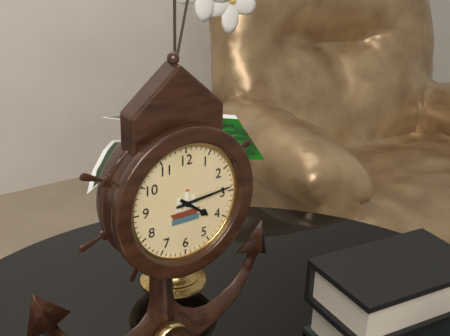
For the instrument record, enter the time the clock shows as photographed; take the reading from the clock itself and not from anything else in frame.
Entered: 4:14
